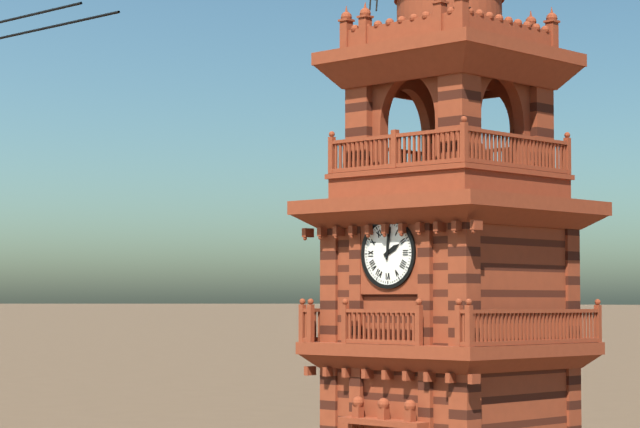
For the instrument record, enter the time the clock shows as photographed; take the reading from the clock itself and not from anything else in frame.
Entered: 2:01
